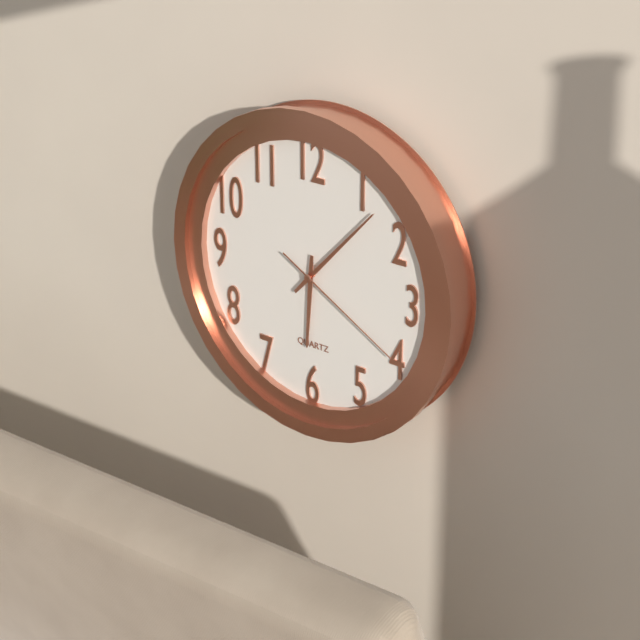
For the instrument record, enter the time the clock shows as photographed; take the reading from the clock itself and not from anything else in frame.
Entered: 6:07:20
